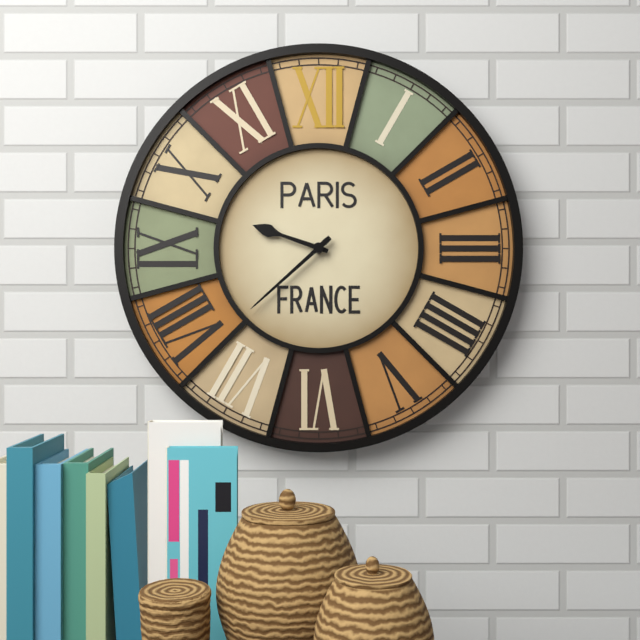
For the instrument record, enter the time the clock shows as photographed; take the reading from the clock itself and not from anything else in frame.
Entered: 9:38
